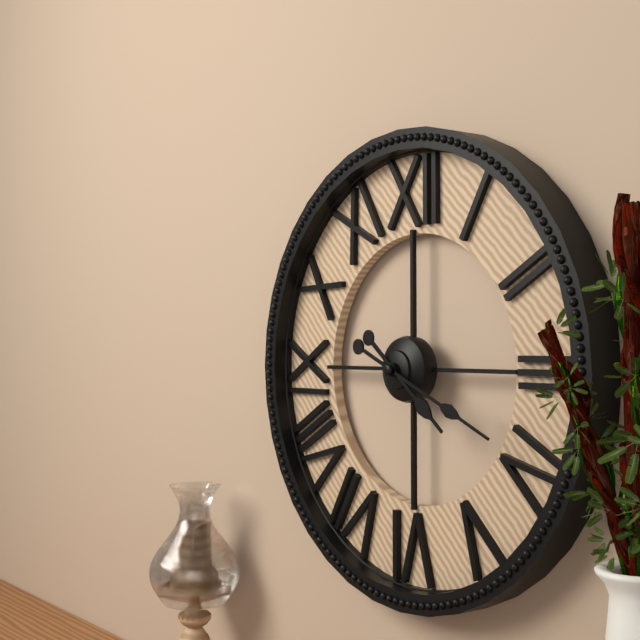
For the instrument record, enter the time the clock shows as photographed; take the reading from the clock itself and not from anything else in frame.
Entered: 4:19
